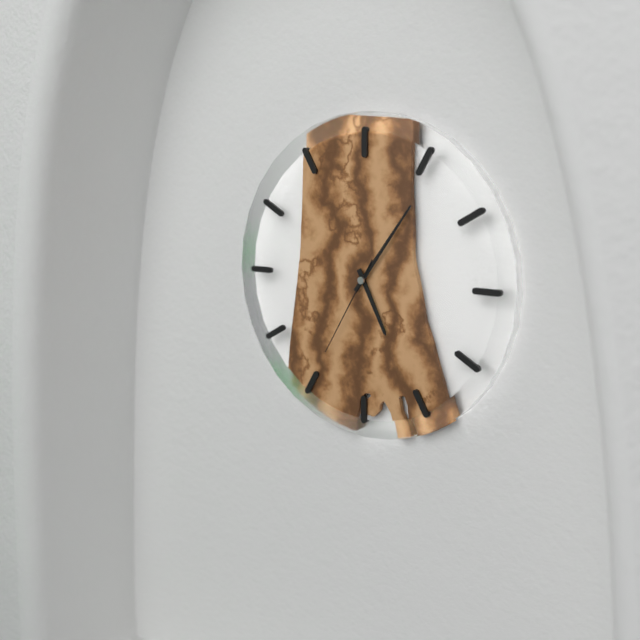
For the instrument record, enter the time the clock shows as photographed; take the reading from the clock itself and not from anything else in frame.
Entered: 5:06:35
